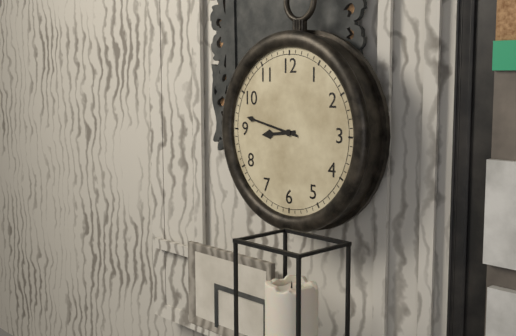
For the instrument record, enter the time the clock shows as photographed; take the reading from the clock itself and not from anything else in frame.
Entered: 8:47
